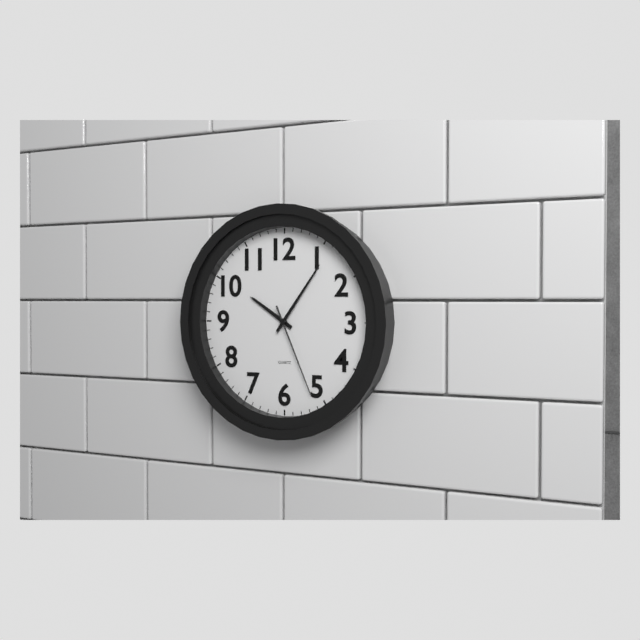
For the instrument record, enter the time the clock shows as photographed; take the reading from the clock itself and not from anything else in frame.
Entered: 10:06:26
